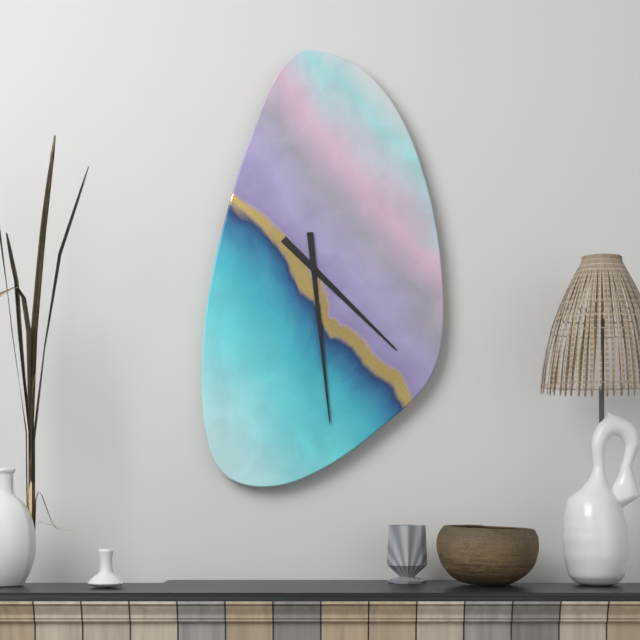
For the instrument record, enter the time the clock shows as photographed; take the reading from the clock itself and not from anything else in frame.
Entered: 4:29
